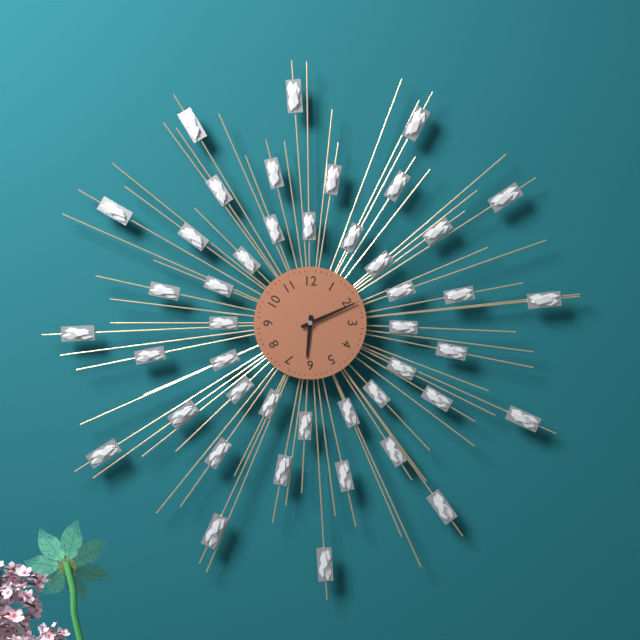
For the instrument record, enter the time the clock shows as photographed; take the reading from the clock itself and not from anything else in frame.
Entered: 6:11
